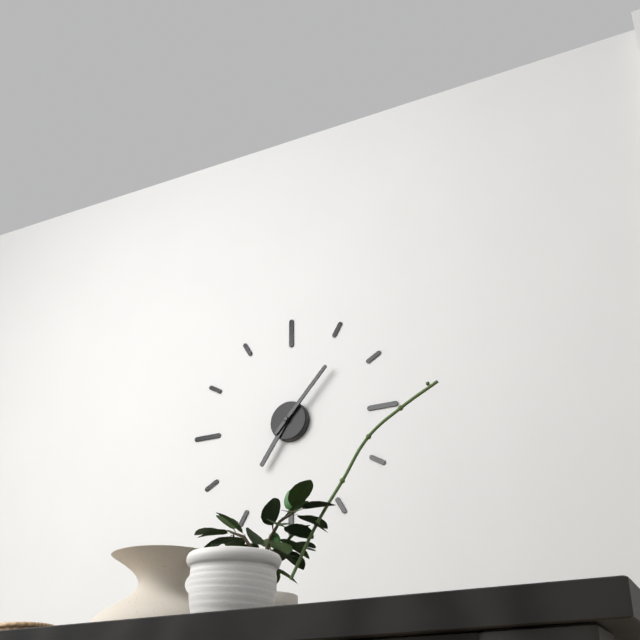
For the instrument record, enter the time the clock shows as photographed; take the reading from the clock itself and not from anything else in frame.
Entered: 7:07
